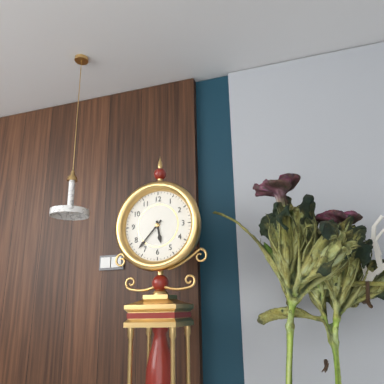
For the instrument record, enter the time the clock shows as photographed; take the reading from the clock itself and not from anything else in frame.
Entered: 5:37
